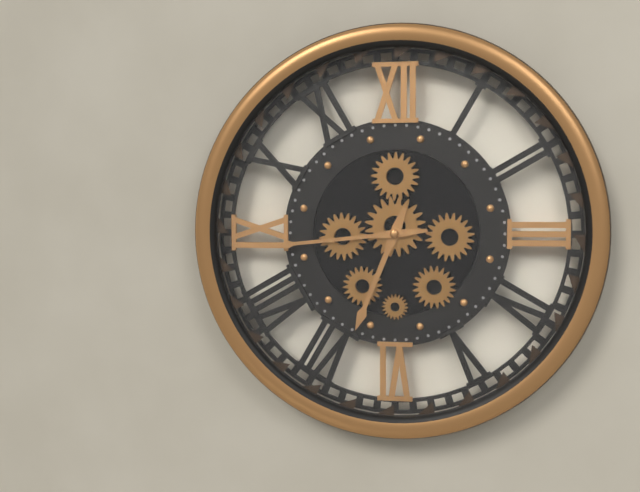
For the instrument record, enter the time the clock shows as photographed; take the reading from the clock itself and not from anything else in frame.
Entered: 6:44
